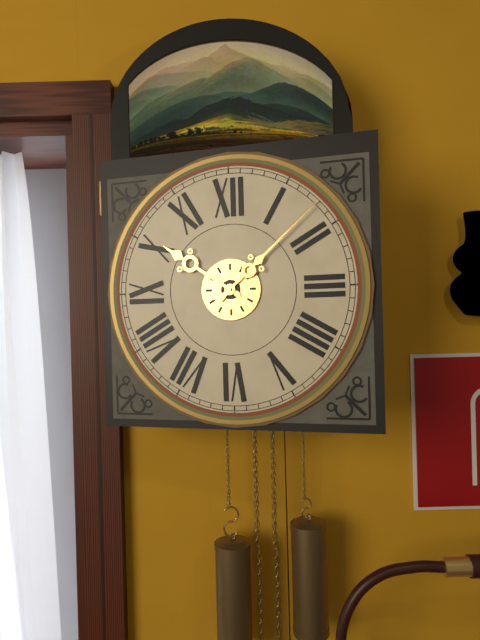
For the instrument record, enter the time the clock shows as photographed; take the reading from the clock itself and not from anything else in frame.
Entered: 10:08
